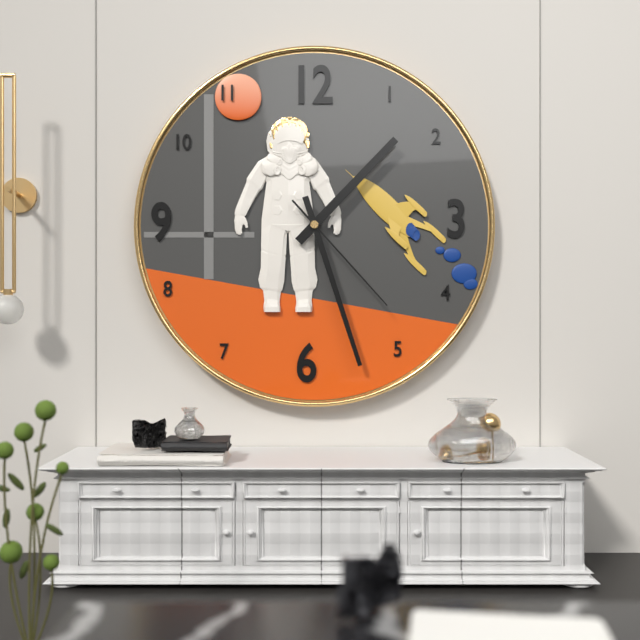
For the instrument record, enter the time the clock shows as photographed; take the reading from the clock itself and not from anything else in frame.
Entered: 1:27:23
